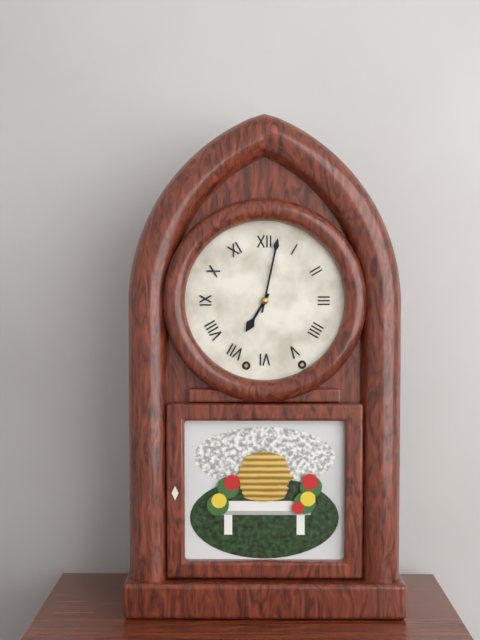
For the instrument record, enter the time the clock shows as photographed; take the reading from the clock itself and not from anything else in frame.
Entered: 7:02
